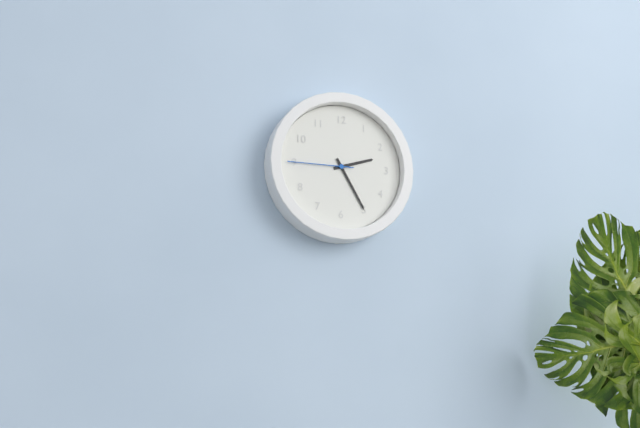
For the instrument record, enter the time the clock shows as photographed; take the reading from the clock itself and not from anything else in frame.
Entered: 2:25:45
